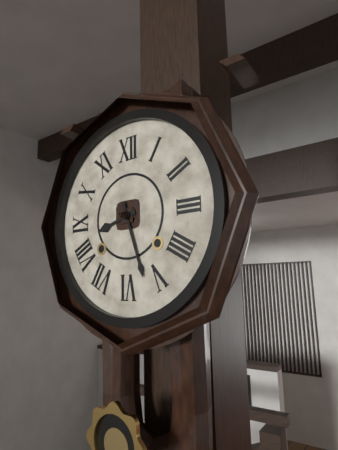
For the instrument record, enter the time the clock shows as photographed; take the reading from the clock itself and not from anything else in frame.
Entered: 8:27
